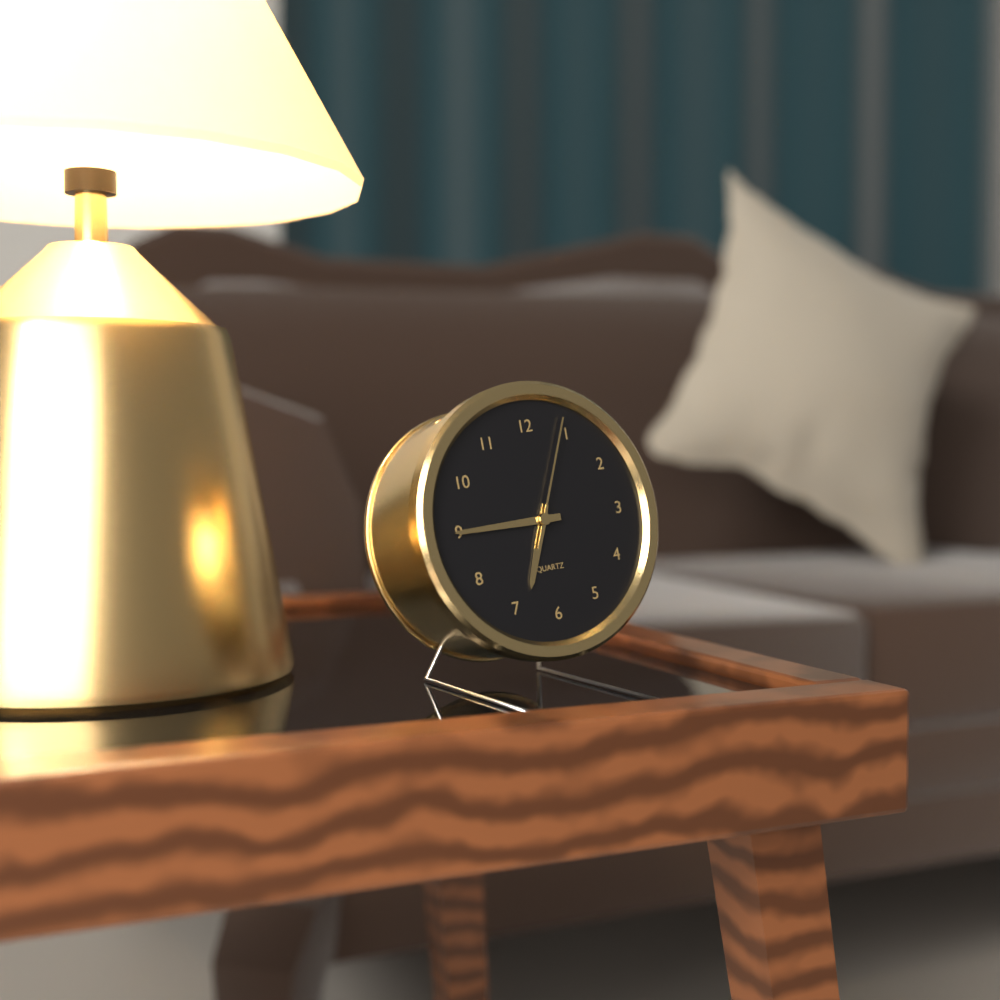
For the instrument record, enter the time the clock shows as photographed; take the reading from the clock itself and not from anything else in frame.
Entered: 6:45:04
